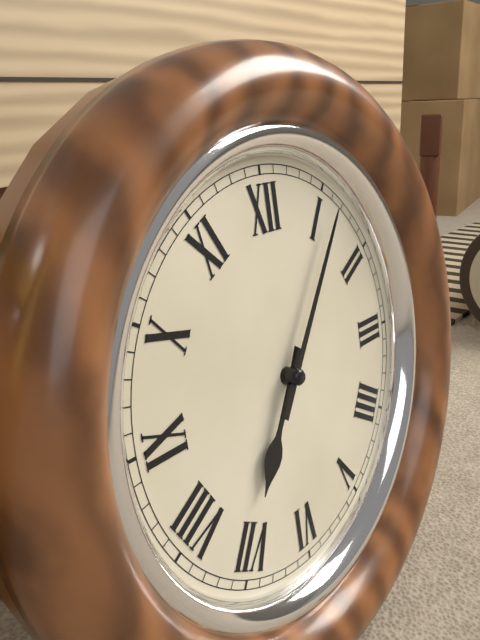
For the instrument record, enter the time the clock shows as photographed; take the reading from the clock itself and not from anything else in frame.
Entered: 7:06
